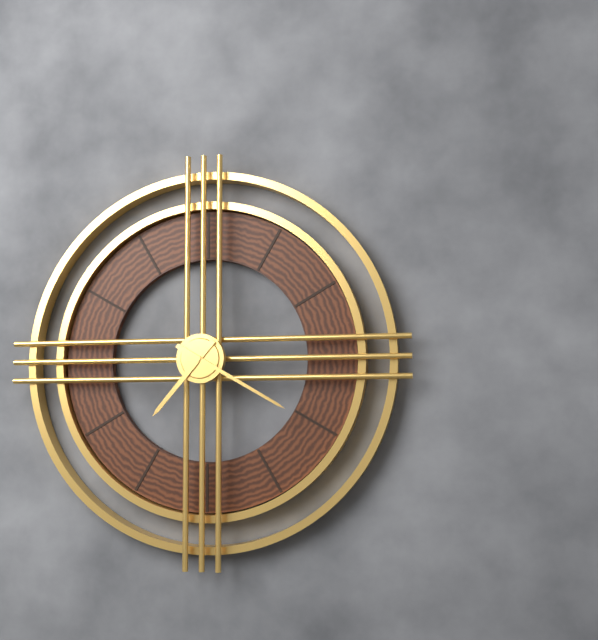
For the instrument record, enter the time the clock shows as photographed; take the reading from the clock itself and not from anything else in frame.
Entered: 7:20
